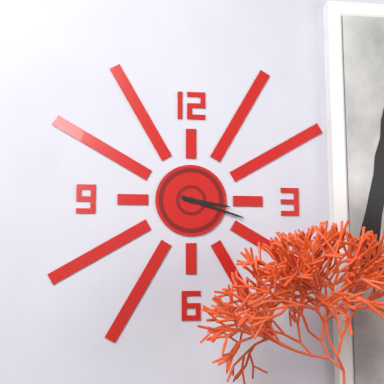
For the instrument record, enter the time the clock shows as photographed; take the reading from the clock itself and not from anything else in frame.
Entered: 3:18
